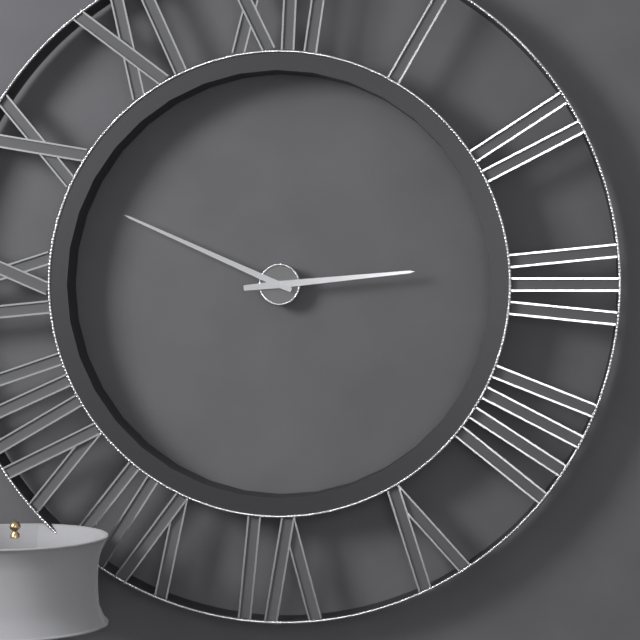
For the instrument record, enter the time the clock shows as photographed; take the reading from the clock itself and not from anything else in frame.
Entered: 2:49
